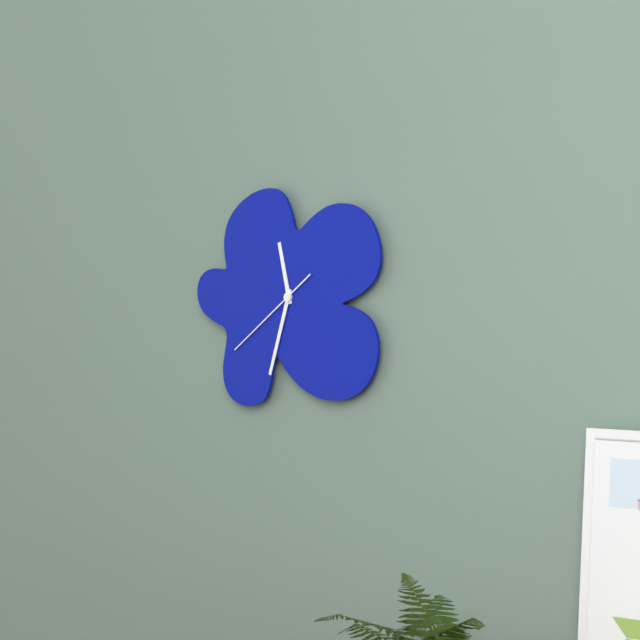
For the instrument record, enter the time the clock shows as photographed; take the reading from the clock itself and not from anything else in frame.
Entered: 11:33:39
